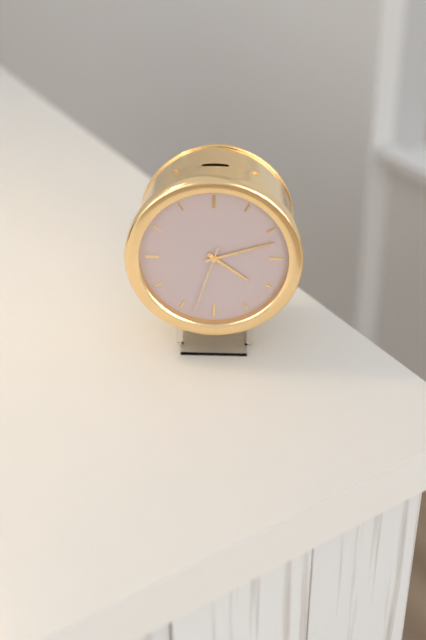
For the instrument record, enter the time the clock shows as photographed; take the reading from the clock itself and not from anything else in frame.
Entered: 4:12:33
